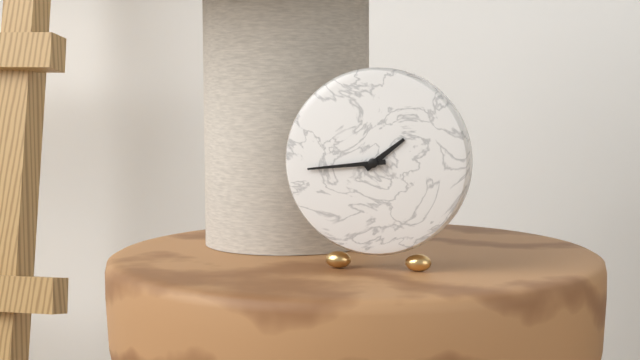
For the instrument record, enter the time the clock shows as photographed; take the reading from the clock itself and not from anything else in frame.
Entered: 1:44
